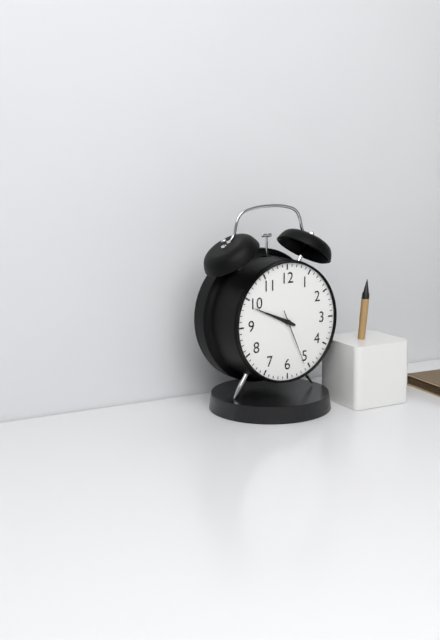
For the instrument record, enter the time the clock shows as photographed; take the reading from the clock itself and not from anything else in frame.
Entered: 9:49:26
